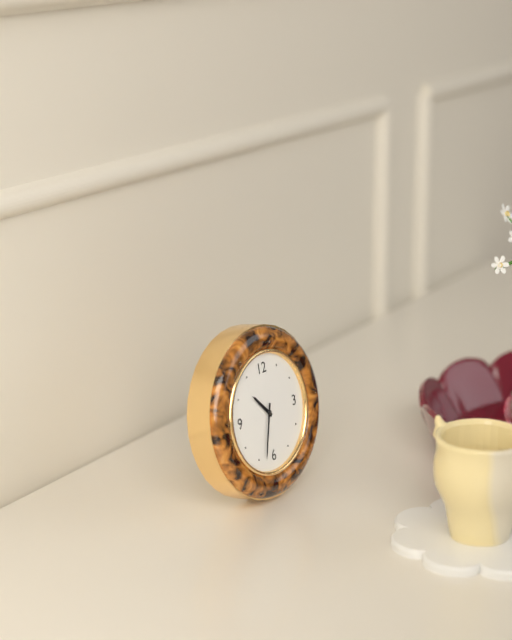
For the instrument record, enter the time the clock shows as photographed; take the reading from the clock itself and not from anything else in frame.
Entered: 10:33
